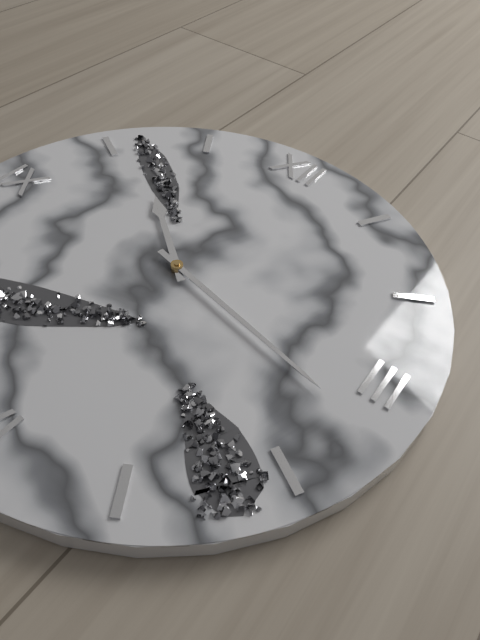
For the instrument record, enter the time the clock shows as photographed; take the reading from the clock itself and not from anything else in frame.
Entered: 10:17
